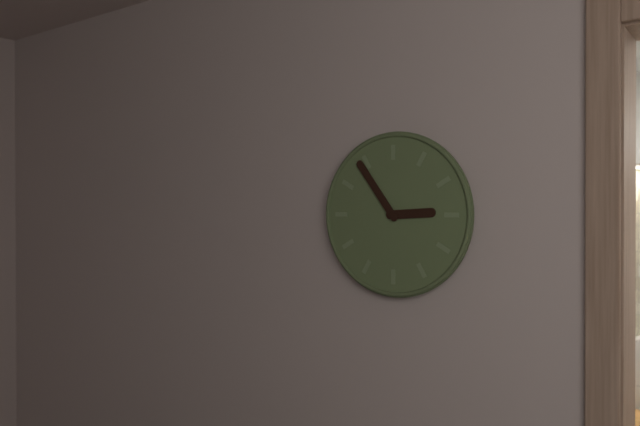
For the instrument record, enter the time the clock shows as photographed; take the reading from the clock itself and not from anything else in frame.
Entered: 2:54
